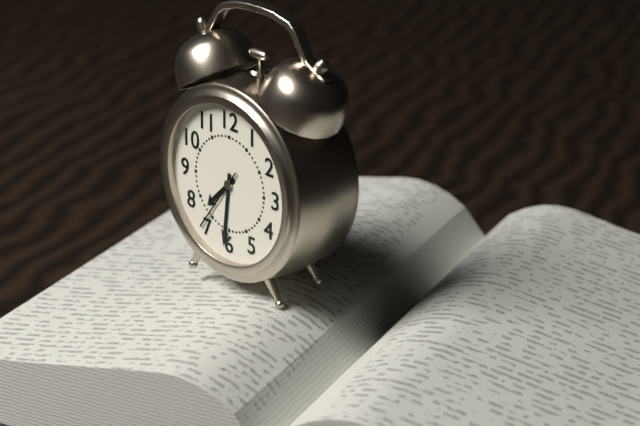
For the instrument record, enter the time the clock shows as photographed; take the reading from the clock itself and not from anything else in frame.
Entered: 7:31:36
